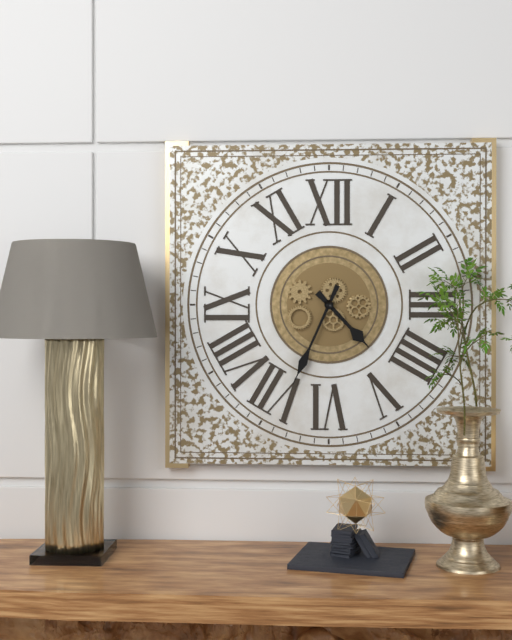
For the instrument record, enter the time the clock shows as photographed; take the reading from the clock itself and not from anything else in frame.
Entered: 4:34
